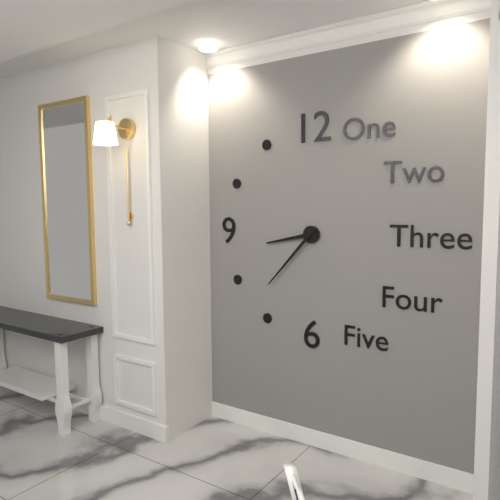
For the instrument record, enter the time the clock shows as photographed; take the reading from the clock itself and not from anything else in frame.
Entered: 8:37
